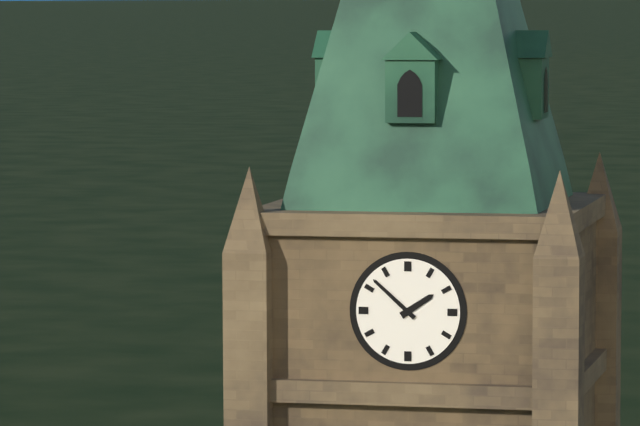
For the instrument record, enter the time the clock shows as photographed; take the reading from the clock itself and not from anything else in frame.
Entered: 1:52
